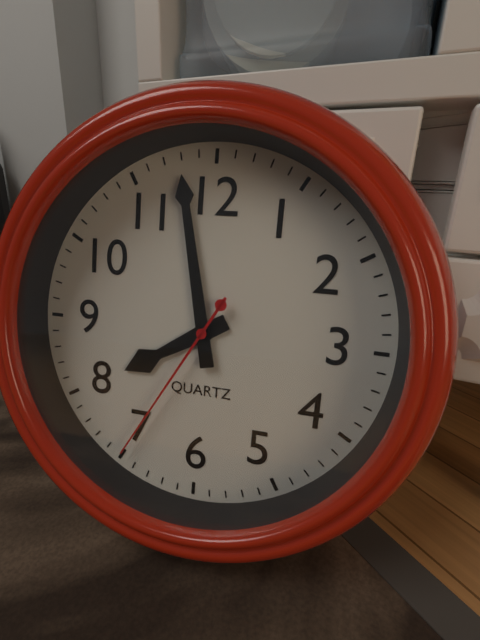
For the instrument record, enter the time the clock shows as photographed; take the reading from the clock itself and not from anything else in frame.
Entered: 7:58:35
